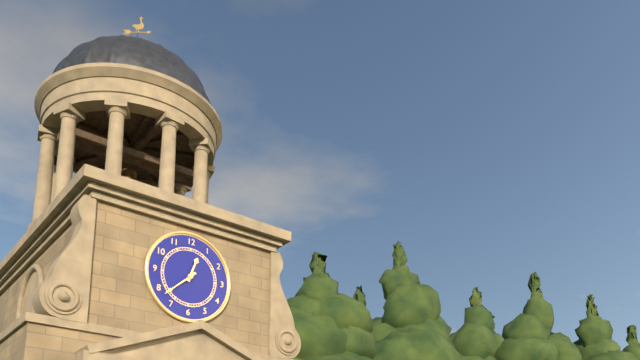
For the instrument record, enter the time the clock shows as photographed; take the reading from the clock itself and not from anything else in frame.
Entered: 12:38
